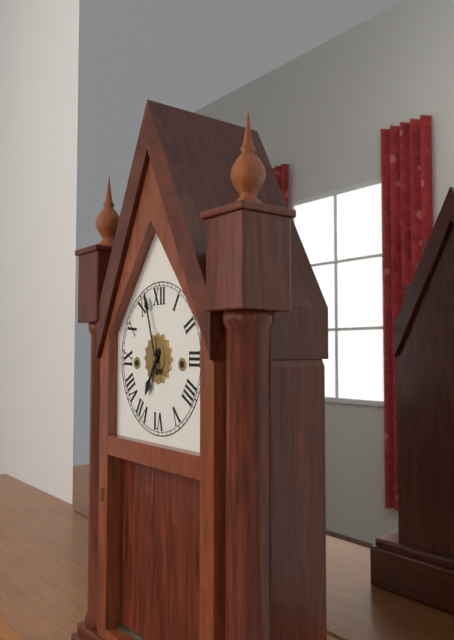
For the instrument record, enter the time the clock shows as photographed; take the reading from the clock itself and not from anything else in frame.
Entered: 6:57
